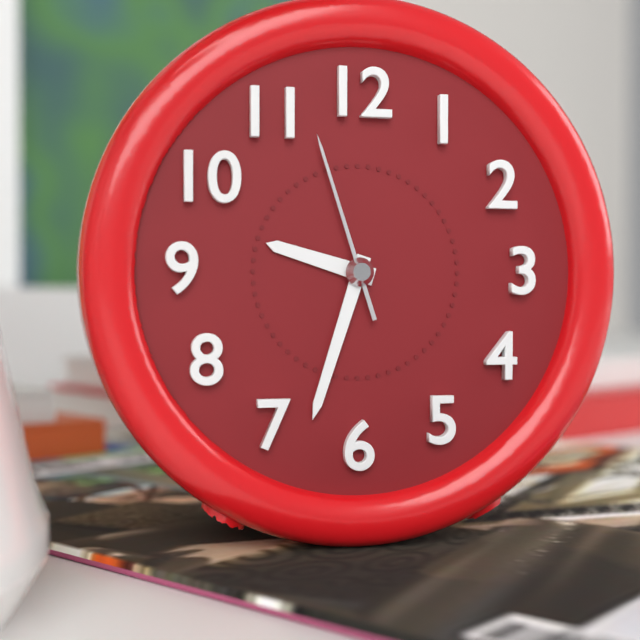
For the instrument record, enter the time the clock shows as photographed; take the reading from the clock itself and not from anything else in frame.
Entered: 9:33:57
